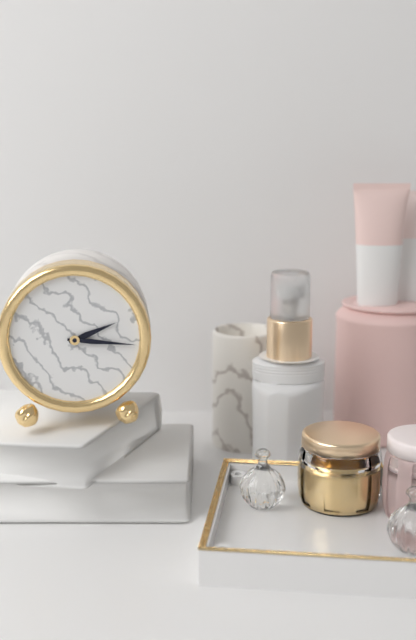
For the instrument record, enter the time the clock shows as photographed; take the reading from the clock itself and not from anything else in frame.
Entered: 2:16
